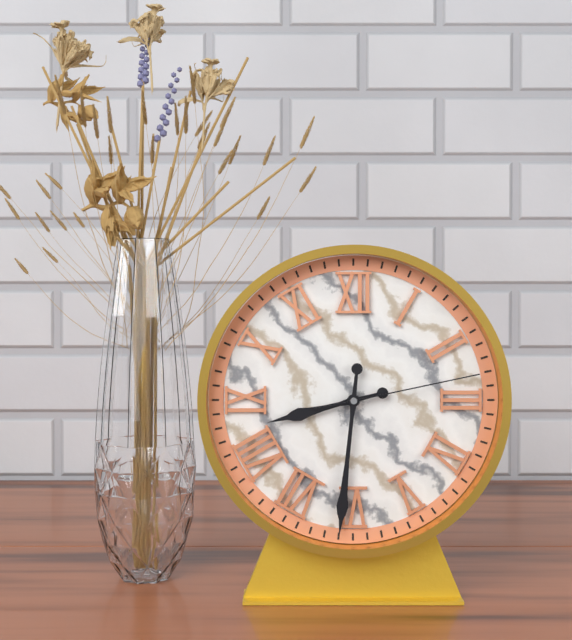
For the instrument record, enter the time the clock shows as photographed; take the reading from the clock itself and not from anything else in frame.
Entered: 8:31:13
